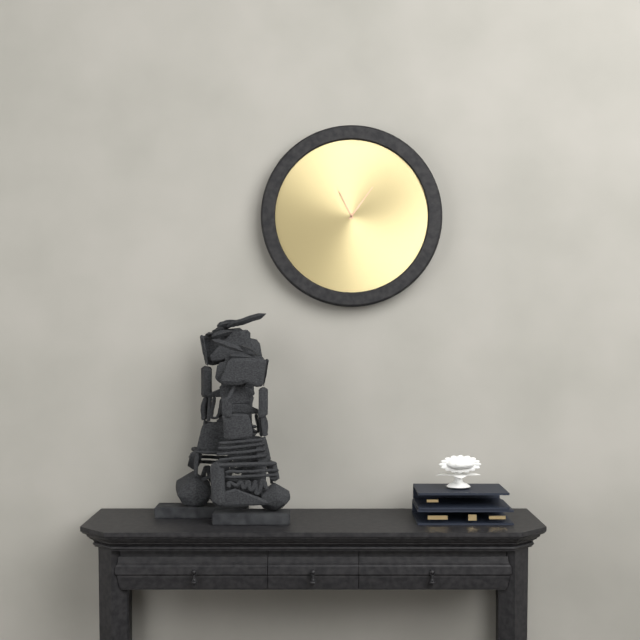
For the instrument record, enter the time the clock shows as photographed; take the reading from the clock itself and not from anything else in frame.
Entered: 11:06
